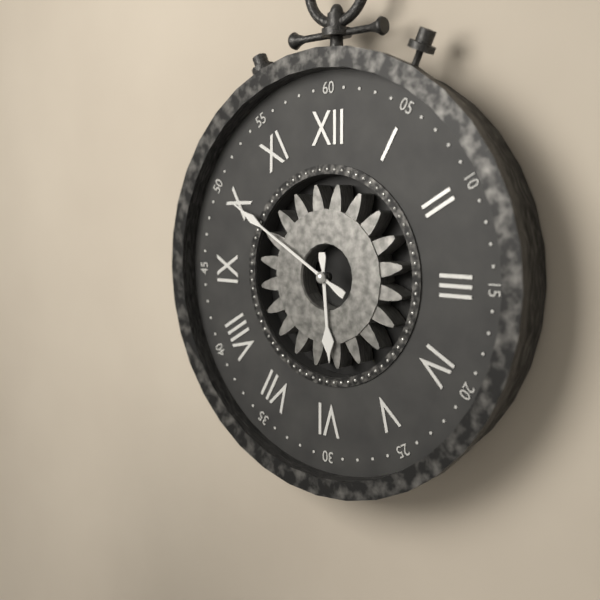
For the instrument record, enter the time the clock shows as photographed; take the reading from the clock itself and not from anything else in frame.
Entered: 5:50
